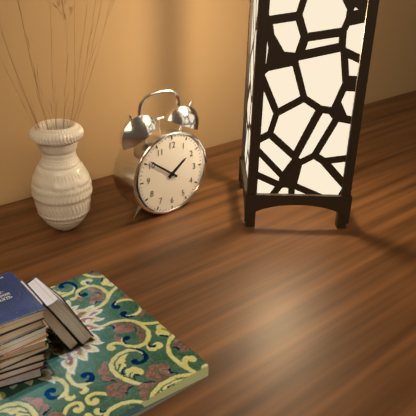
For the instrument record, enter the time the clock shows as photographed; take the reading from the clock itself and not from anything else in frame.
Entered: 1:51
